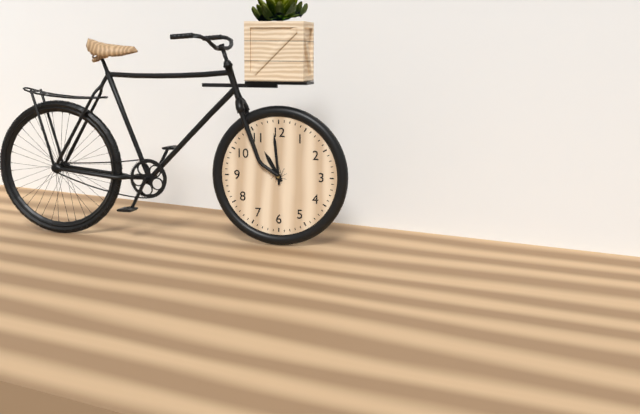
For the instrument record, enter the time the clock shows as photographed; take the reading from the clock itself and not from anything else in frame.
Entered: 10:59
